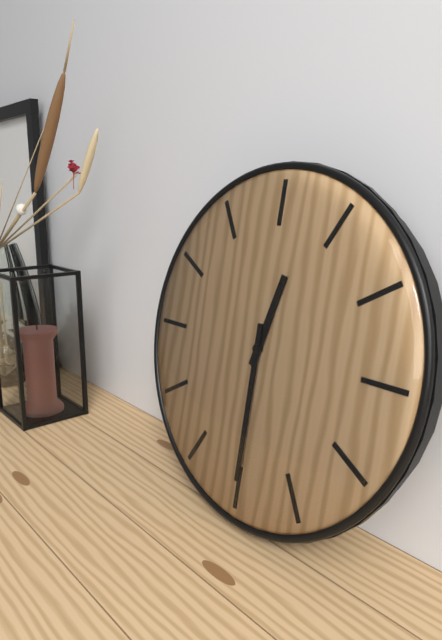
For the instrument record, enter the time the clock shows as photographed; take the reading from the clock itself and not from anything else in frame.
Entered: 12:30
